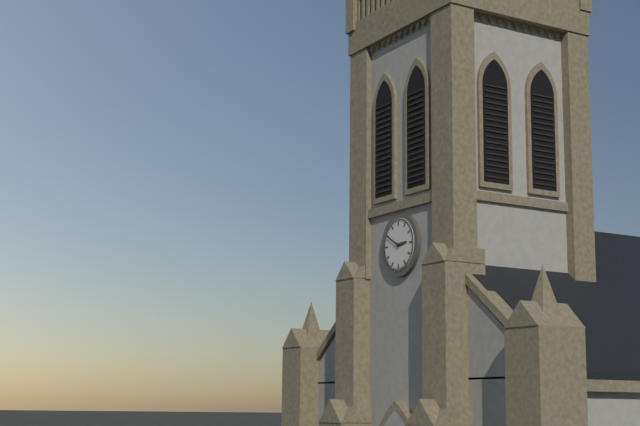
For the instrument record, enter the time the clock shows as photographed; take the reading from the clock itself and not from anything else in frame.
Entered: 2:50
